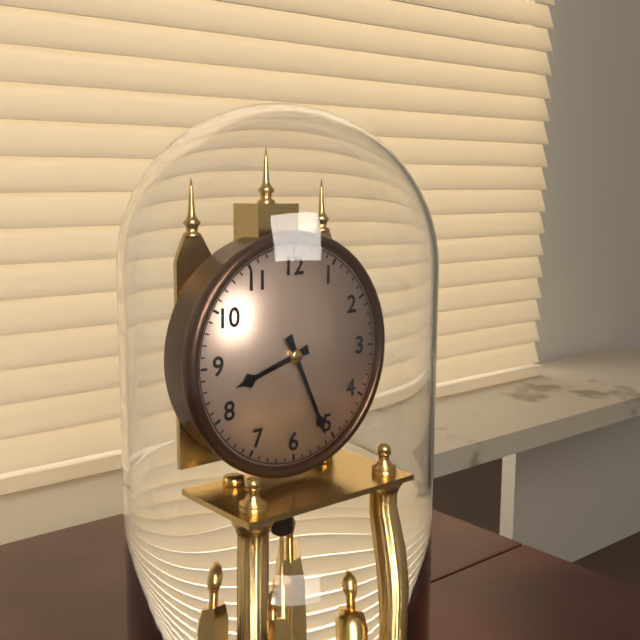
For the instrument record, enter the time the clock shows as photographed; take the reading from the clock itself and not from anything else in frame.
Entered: 8:26
